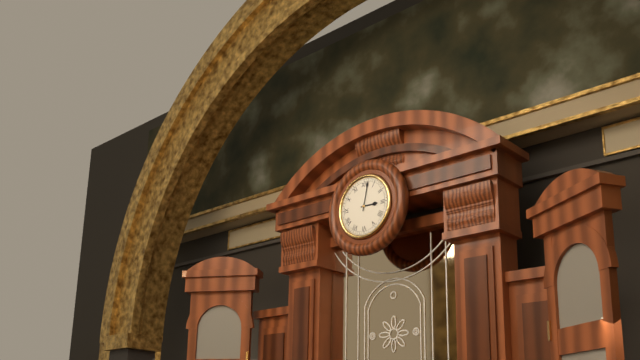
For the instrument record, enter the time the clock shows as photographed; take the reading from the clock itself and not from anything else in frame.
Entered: 3:02
